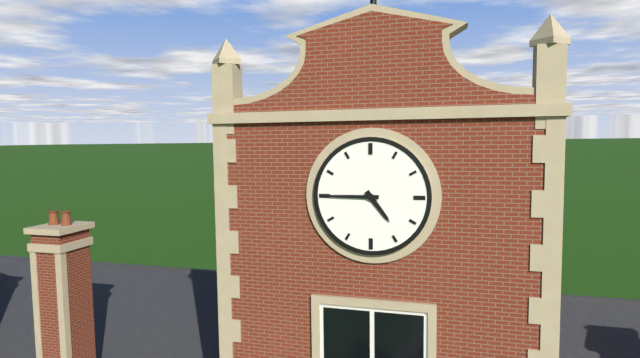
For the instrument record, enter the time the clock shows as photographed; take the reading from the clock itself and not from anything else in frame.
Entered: 4:45
